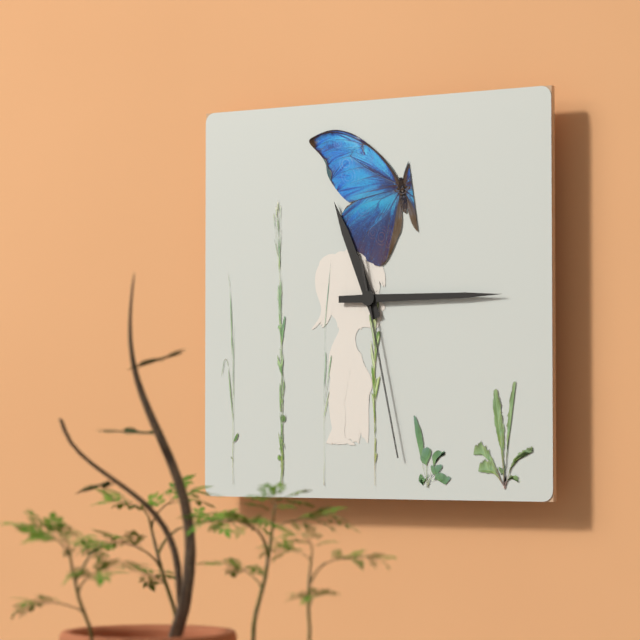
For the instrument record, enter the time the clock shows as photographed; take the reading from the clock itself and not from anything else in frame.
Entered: 11:15:28
